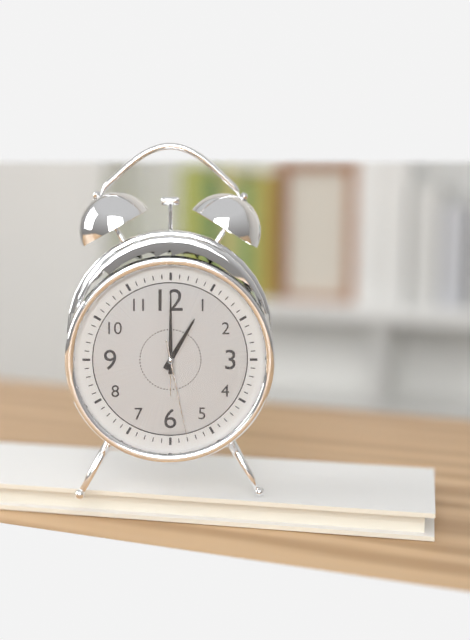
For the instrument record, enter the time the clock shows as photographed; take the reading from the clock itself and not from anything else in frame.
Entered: 1:00:28
